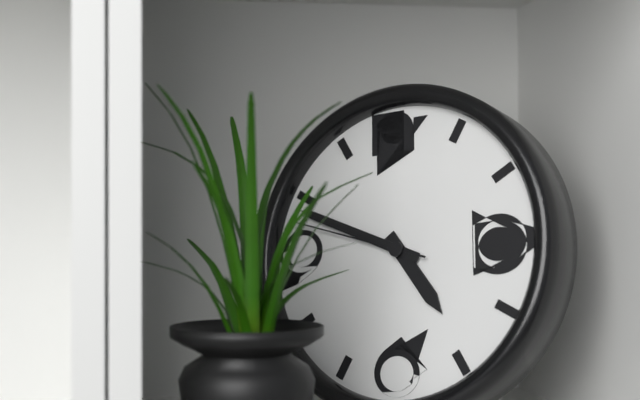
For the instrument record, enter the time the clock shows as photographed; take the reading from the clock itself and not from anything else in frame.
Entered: 4:49:48
